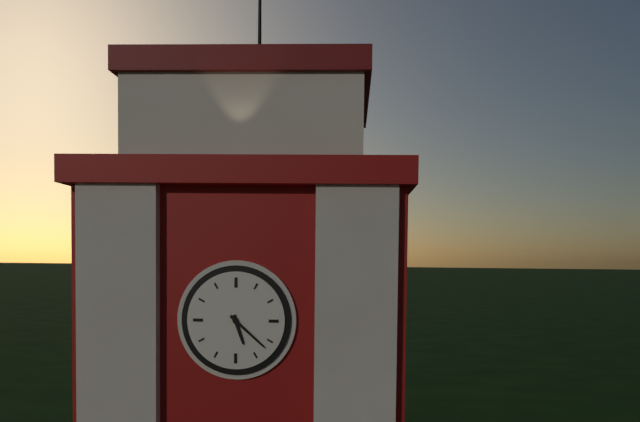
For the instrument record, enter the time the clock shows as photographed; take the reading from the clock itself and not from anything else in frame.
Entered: 5:22
